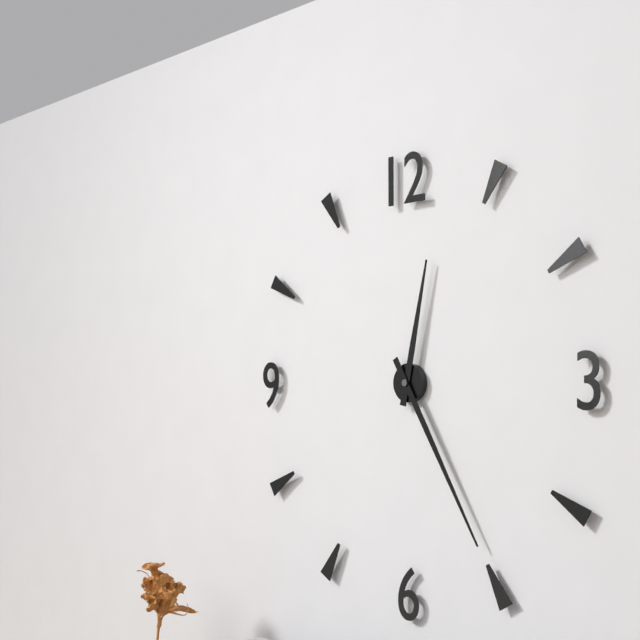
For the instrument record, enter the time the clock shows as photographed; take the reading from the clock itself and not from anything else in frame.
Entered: 12:25
